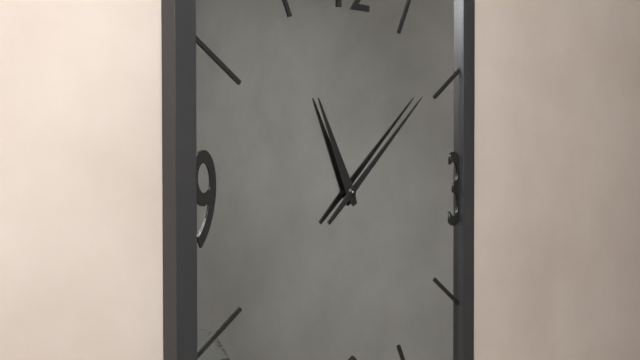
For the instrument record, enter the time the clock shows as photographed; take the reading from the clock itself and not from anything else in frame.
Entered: 11:08
